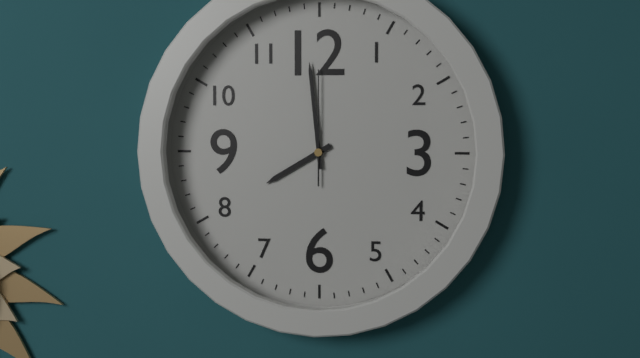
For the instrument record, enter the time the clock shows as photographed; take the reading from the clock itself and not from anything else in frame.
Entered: 7:59:00
